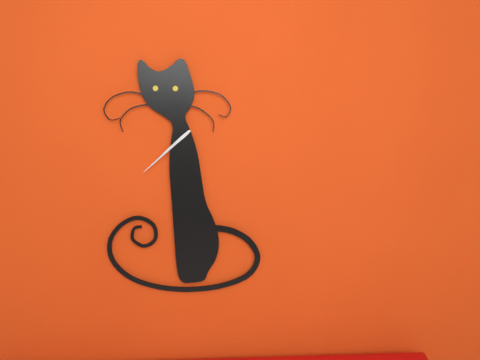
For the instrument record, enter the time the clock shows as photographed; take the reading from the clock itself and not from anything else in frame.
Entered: 7:38
